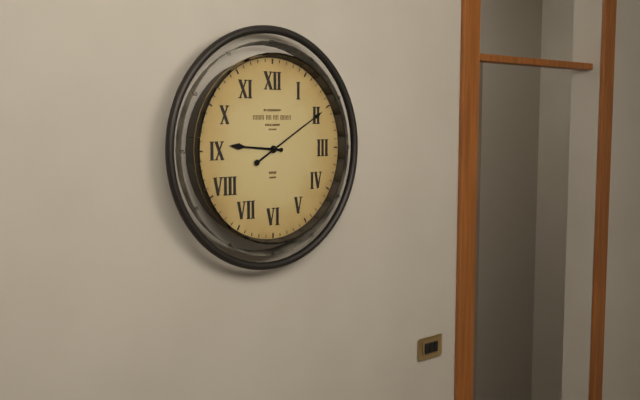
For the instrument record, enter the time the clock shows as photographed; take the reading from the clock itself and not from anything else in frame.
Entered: 9:10
